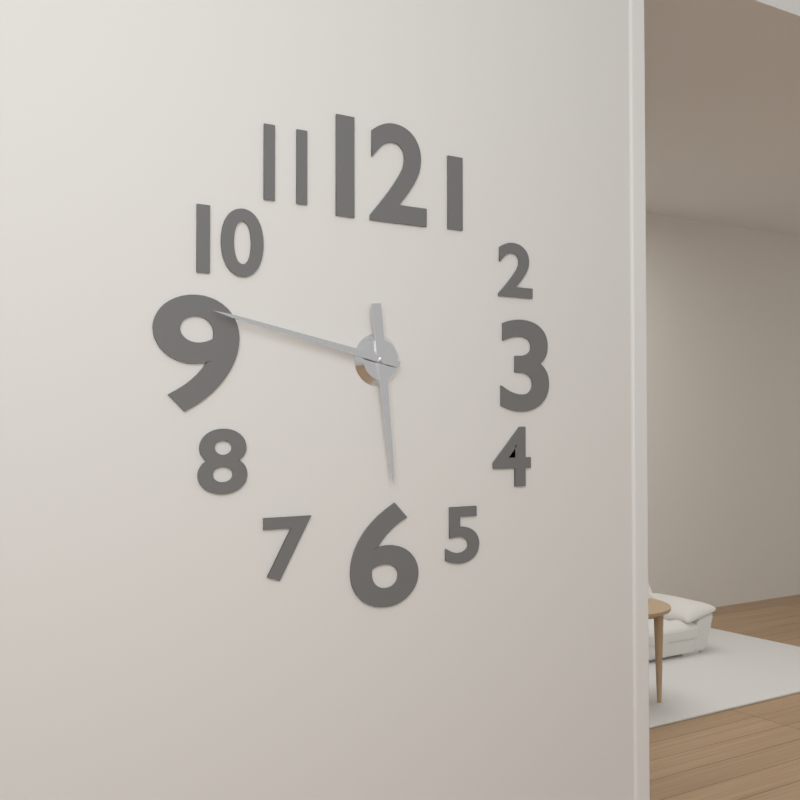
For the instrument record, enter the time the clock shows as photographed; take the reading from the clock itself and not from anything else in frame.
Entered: 5:47
